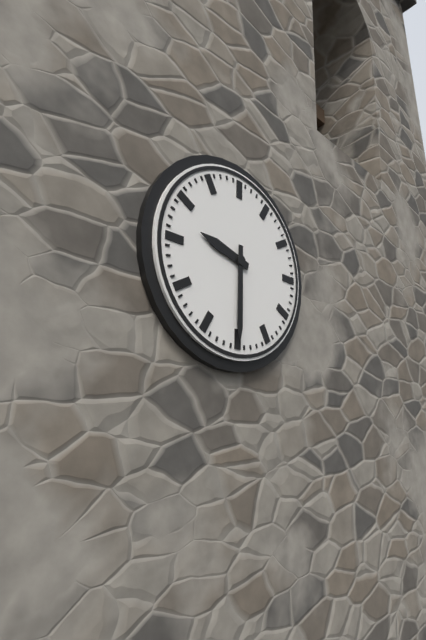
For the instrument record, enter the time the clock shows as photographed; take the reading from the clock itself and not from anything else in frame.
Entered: 9:30
